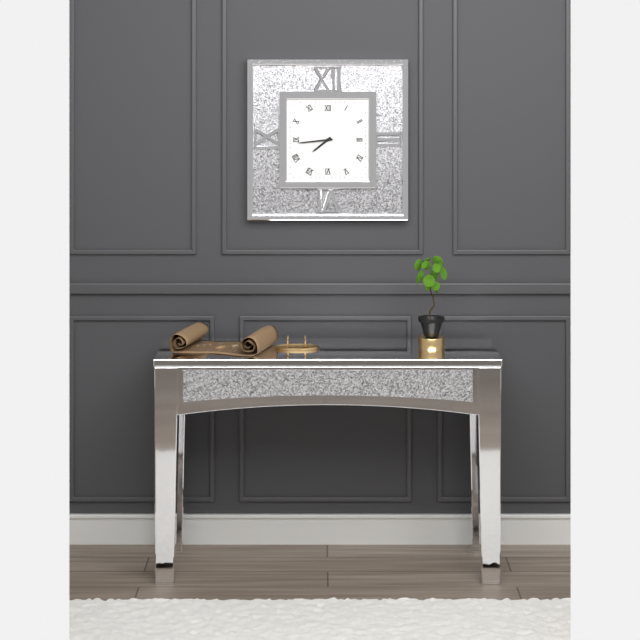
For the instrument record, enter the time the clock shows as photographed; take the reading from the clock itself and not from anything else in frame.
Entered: 7:44
